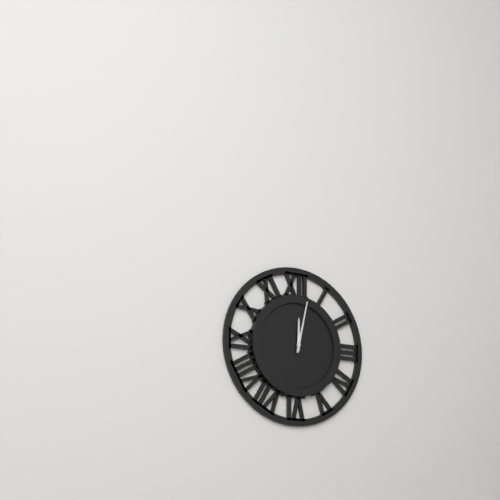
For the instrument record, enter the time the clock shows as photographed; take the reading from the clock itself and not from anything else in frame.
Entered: 12:02
